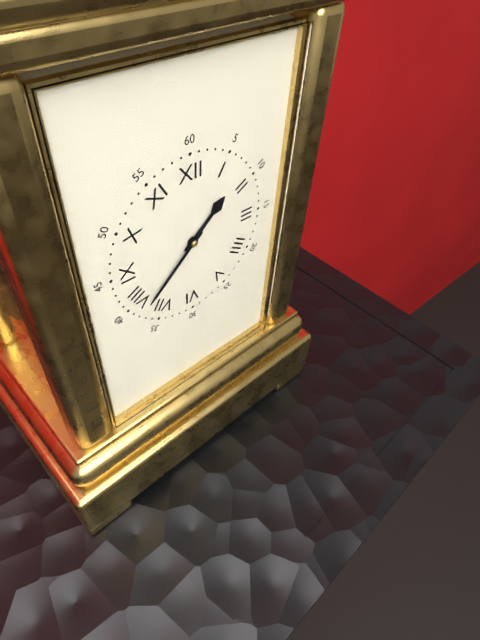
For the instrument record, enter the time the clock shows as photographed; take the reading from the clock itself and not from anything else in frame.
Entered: 1:38
